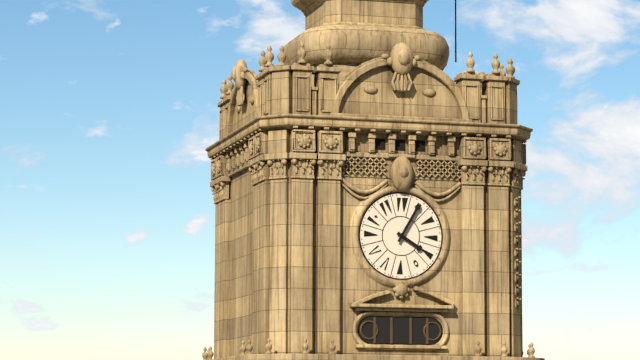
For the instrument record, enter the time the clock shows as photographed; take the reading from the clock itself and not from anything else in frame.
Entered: 4:05
